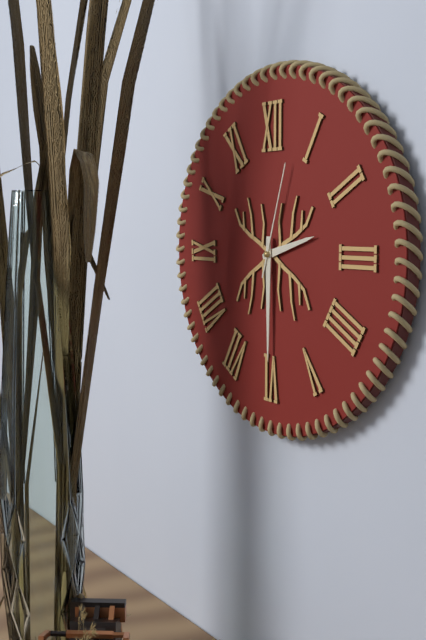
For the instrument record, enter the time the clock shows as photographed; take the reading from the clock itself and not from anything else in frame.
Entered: 2:30:03
